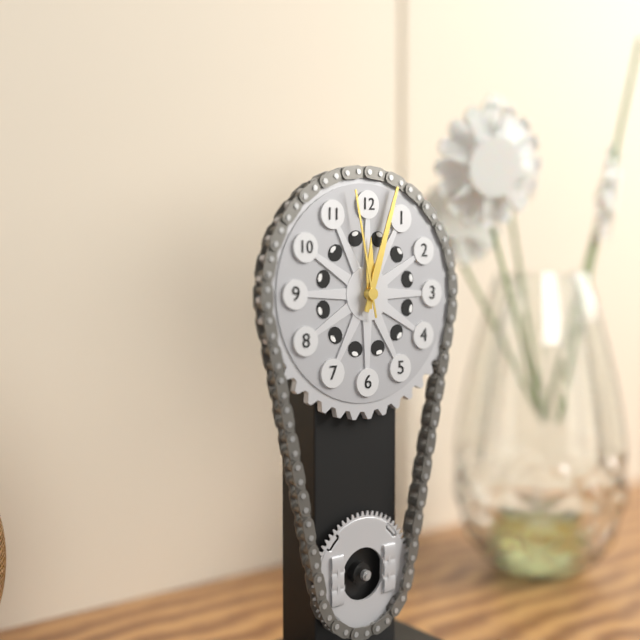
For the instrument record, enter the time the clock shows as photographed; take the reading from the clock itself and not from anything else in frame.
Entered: 12:03:58
